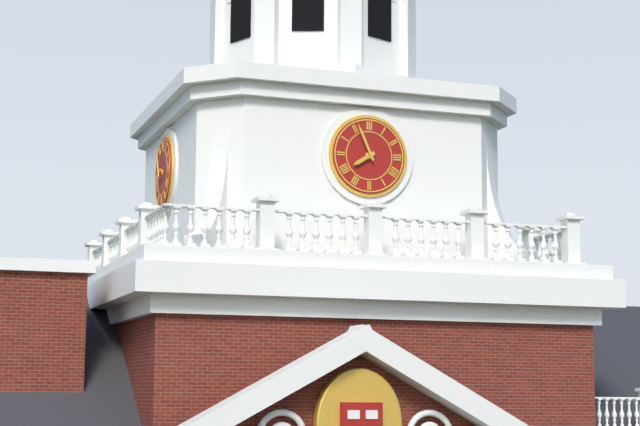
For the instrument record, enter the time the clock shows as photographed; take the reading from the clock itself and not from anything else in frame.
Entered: 7:56
